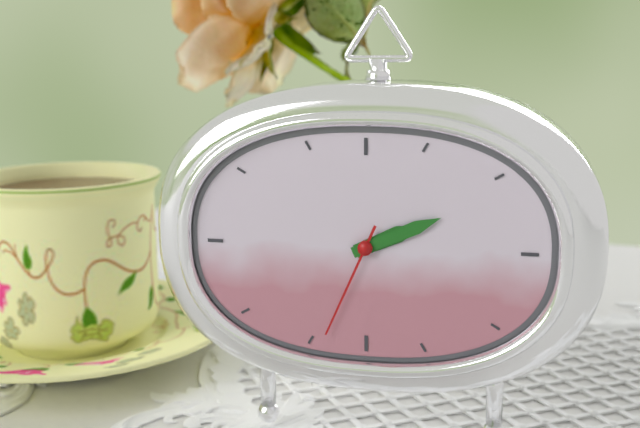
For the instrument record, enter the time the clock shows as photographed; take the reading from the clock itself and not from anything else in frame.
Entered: 2:11:34
